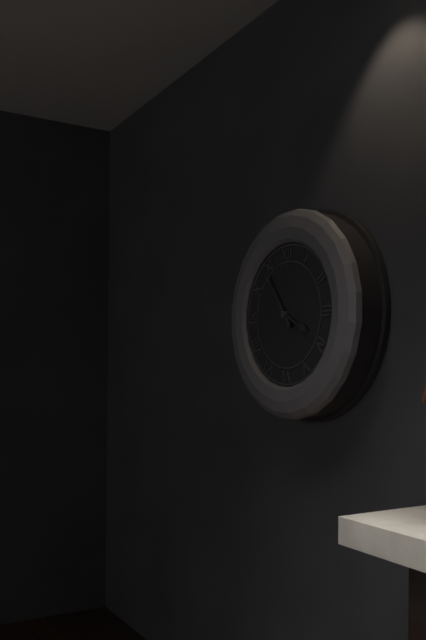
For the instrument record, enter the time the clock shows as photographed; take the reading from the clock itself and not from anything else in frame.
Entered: 3:54
